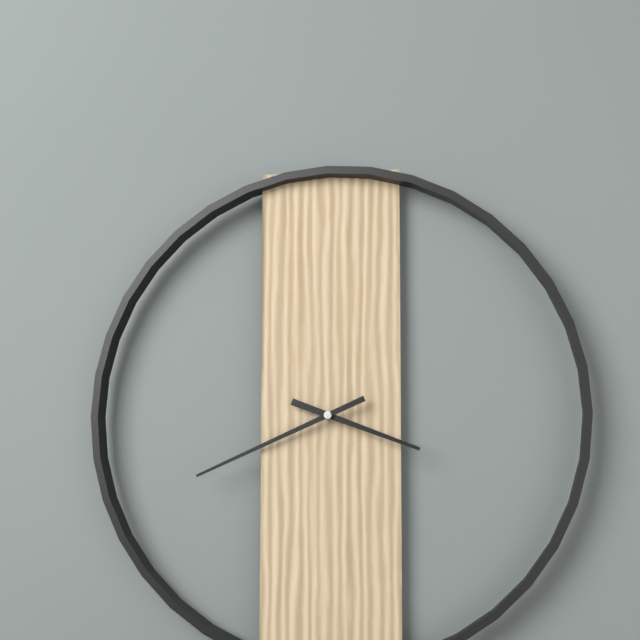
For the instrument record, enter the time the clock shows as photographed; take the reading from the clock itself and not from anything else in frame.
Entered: 3:41
